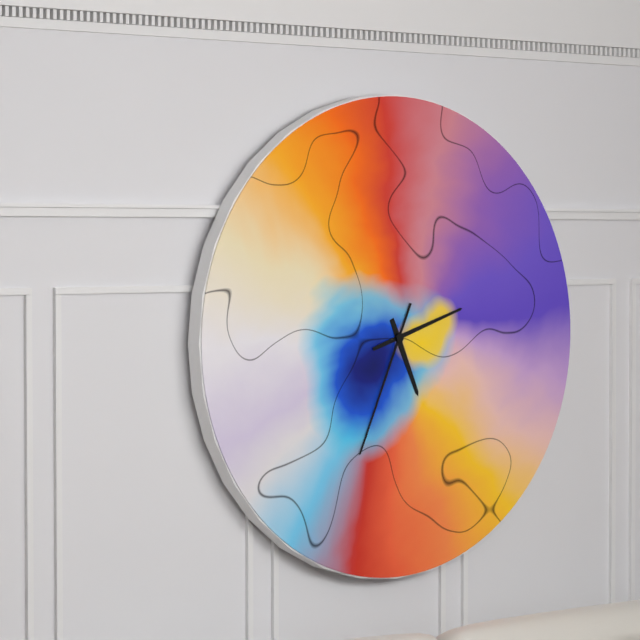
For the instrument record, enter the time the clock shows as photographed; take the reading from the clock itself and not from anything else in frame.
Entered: 5:12:34
